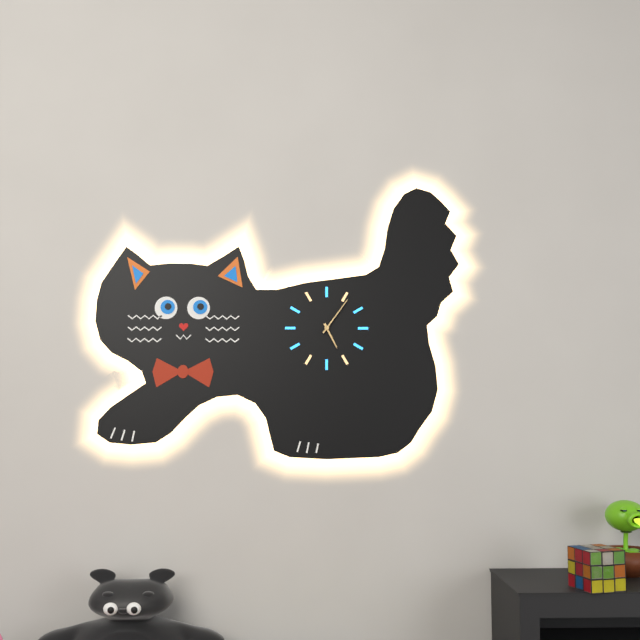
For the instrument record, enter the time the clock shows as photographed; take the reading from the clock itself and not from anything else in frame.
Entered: 5:06
